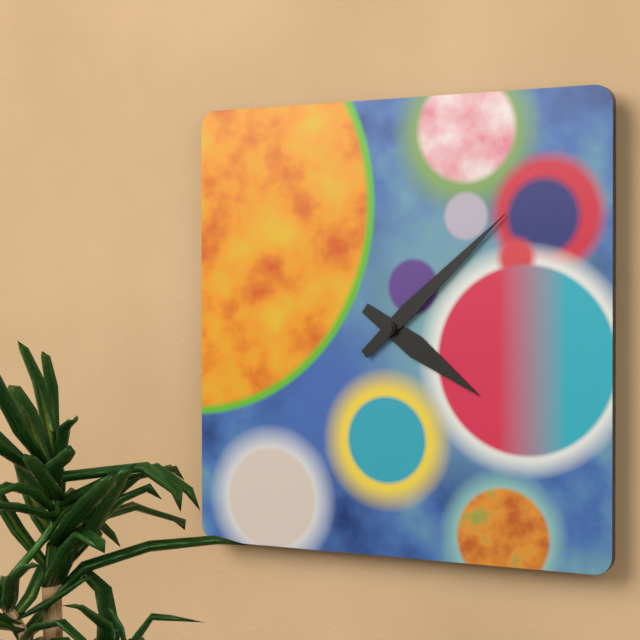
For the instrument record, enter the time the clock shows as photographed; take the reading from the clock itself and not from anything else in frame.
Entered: 4:08
